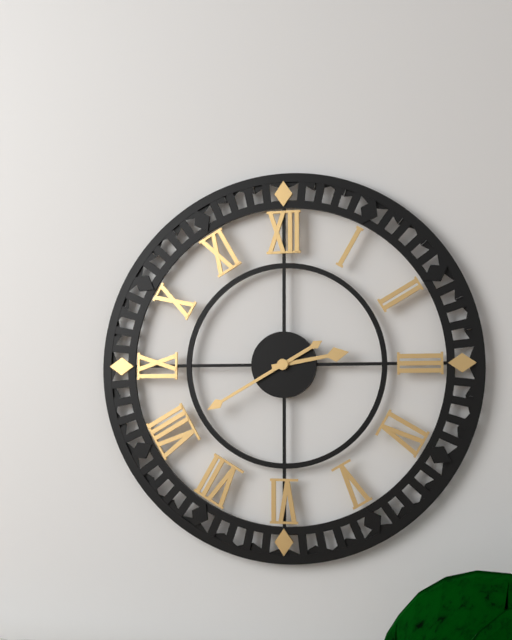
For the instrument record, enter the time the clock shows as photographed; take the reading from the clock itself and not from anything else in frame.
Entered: 2:40
